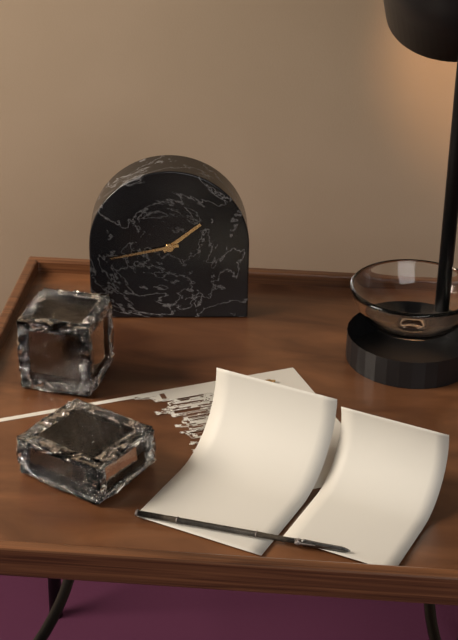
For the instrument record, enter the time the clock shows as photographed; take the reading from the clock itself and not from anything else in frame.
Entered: 1:43
